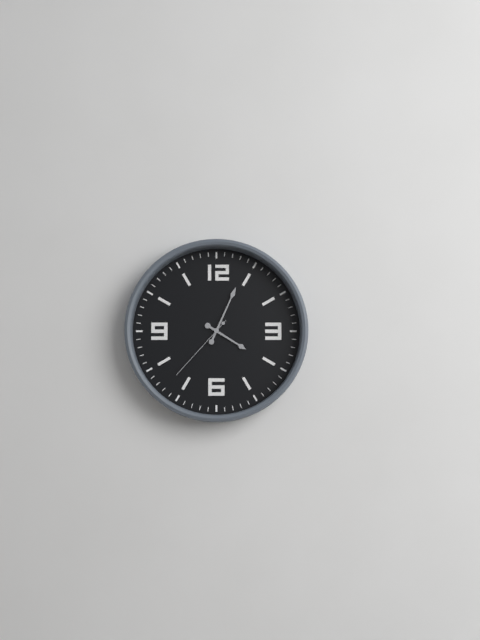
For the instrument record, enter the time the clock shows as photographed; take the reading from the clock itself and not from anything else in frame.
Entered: 4:04:37
